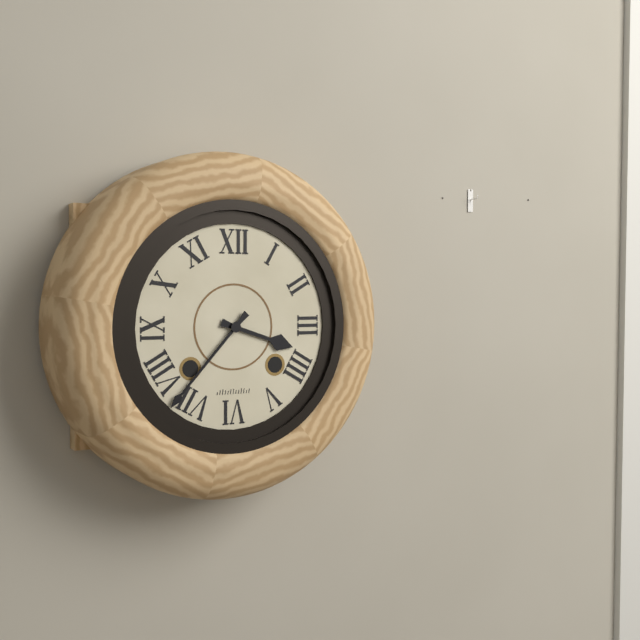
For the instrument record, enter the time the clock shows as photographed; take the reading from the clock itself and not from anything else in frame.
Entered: 3:37
